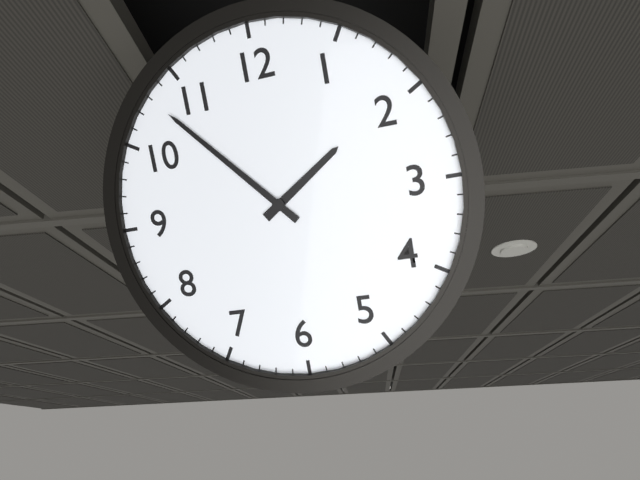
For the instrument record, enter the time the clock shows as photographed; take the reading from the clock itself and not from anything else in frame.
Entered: 1:53
